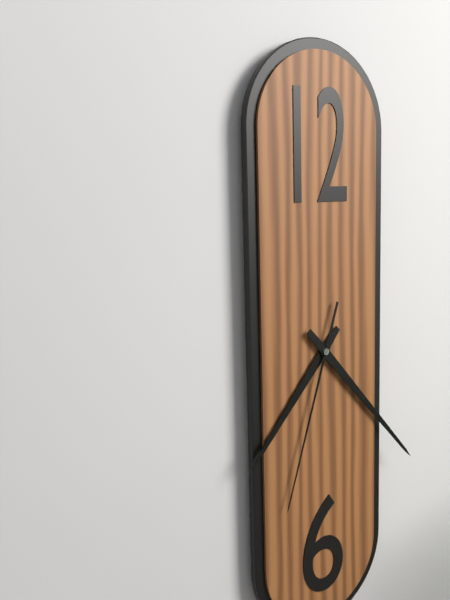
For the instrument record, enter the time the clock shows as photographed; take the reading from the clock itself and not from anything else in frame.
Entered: 7:23:33
